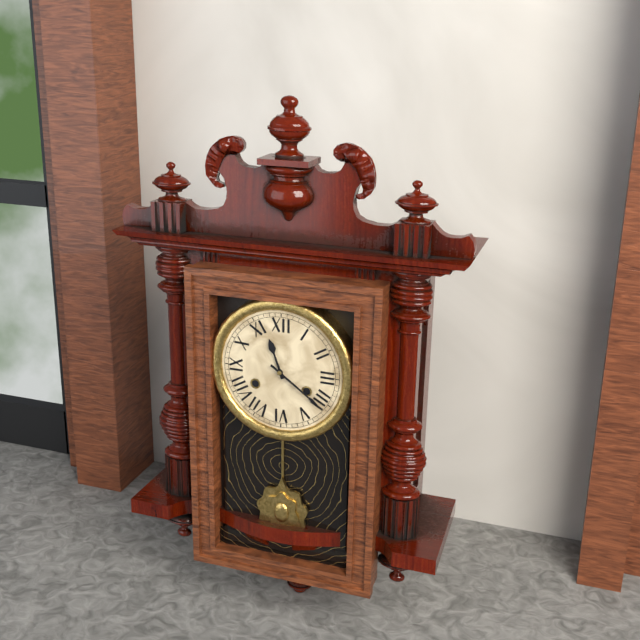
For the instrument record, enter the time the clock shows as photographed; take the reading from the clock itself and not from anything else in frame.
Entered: 11:21
